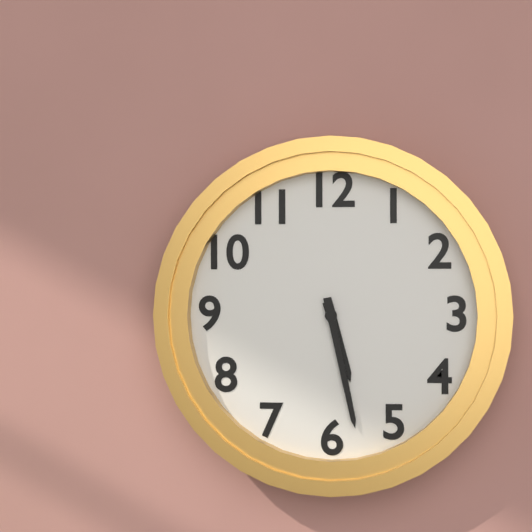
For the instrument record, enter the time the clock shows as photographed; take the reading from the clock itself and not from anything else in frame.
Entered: 5:28
